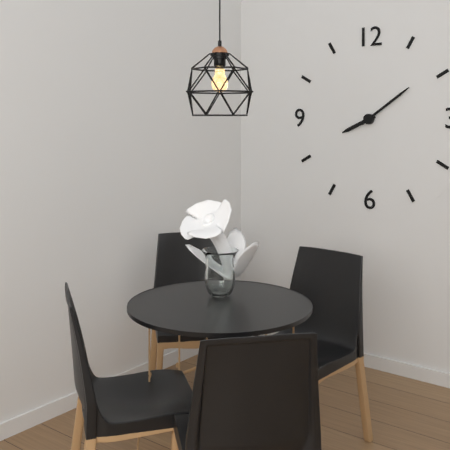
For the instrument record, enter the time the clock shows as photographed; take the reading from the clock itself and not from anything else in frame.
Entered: 8:09
